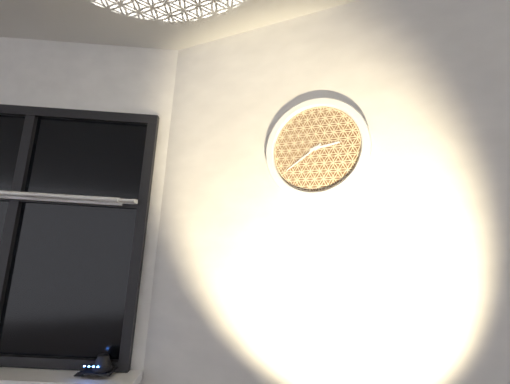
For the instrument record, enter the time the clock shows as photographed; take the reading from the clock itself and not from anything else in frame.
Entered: 2:39
